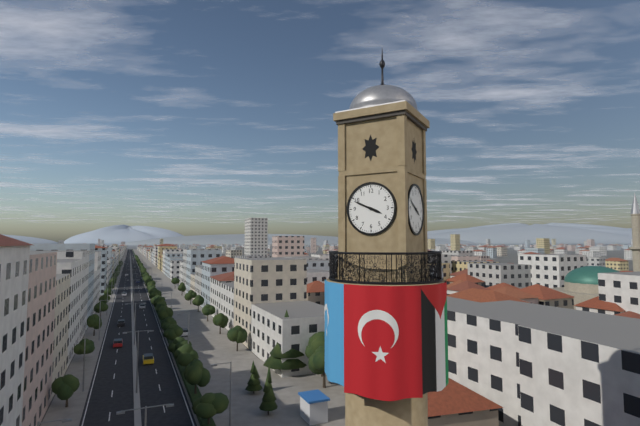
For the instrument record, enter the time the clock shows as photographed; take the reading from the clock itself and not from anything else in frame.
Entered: 3:49
